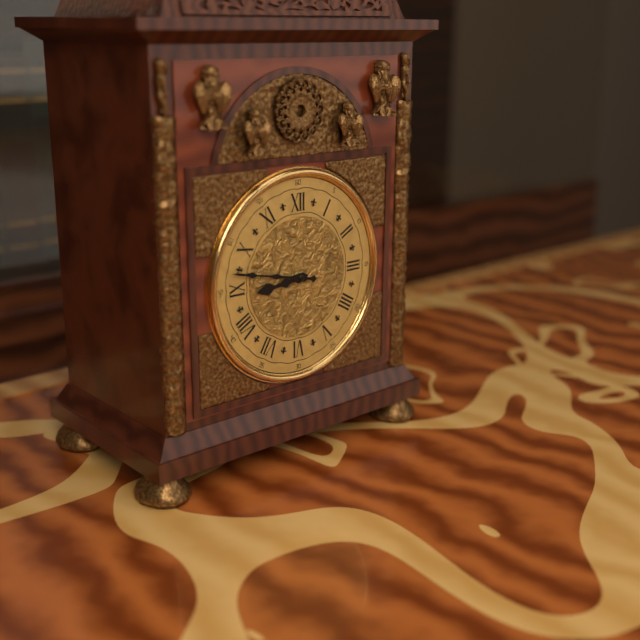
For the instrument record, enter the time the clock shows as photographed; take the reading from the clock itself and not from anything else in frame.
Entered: 8:47
